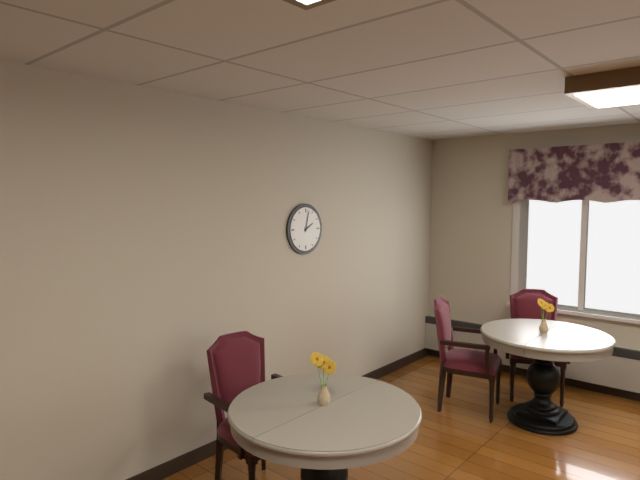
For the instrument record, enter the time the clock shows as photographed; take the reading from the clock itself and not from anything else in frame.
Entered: 2:02
